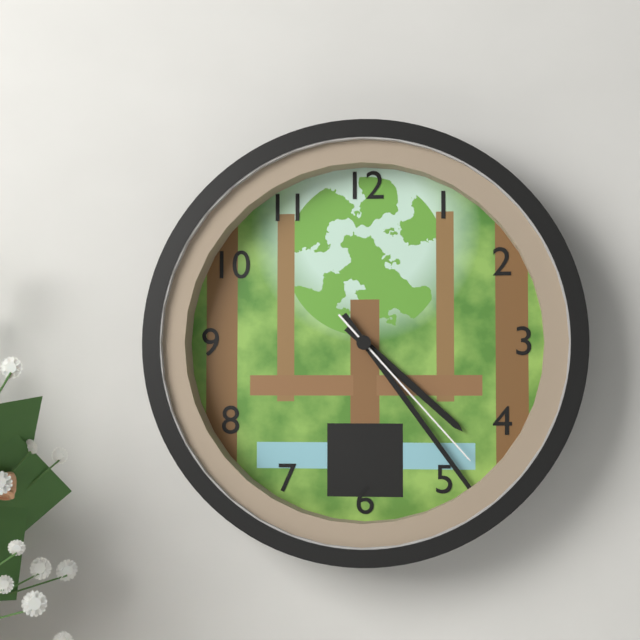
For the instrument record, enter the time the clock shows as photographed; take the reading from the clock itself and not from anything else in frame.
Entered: 4:24:23
